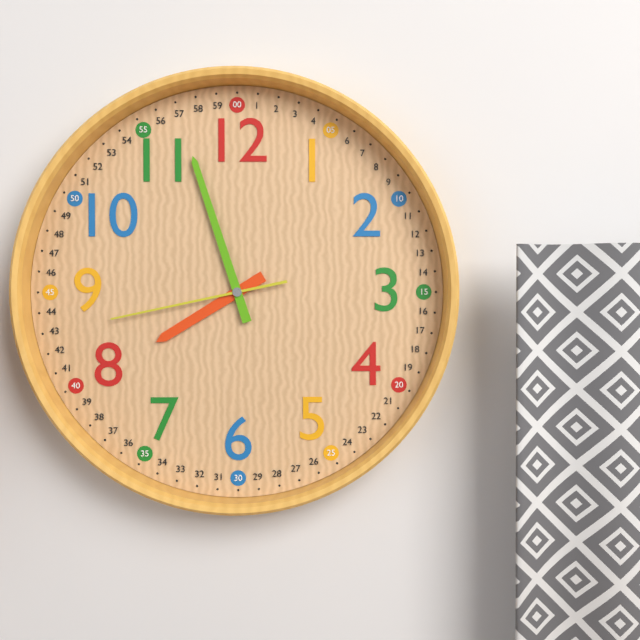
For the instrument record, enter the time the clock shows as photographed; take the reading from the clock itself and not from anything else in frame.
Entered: 7:57:43
